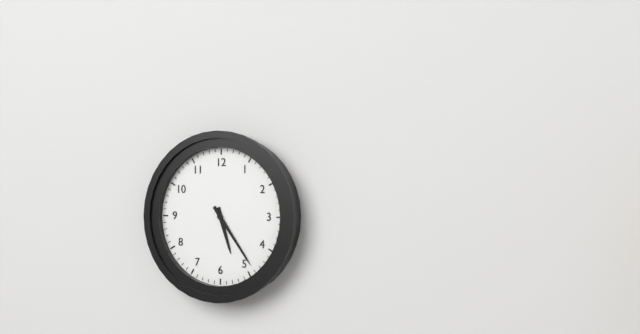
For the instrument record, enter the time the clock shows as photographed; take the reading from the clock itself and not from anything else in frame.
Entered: 5:24
